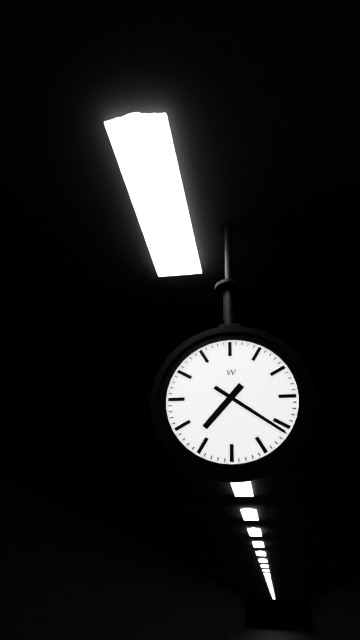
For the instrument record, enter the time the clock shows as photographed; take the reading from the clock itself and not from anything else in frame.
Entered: 7:21
